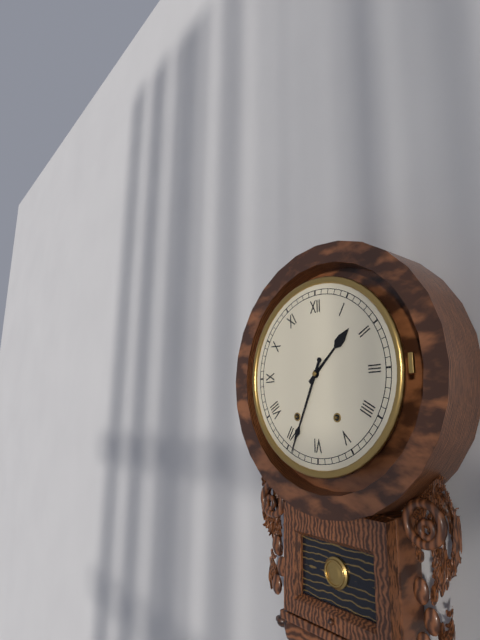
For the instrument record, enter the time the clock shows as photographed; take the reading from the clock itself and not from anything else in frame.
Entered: 1:34
